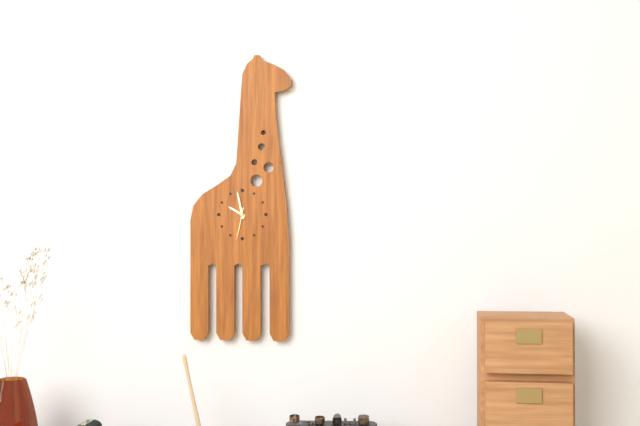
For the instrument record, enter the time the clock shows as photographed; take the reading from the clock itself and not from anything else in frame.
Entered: 9:58
